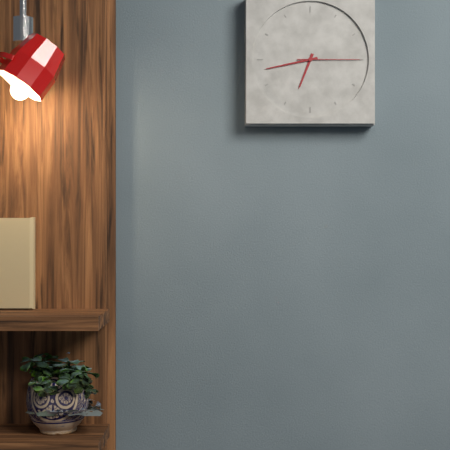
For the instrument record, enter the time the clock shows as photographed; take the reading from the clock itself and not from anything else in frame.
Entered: 6:43:15
